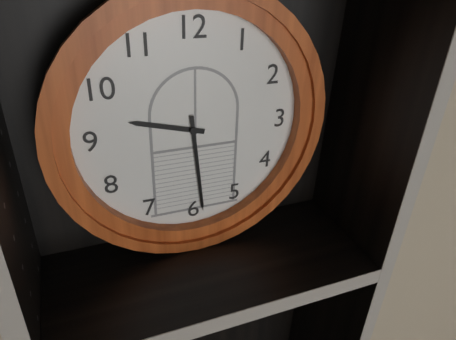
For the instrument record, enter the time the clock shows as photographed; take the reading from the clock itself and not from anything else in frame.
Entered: 9:29
